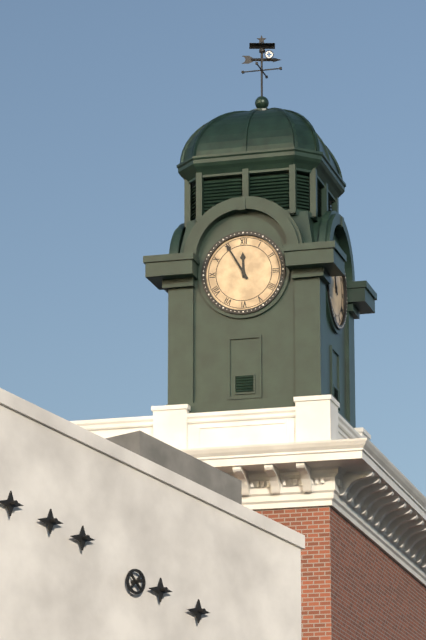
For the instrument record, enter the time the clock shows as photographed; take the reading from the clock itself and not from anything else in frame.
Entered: 11:55
